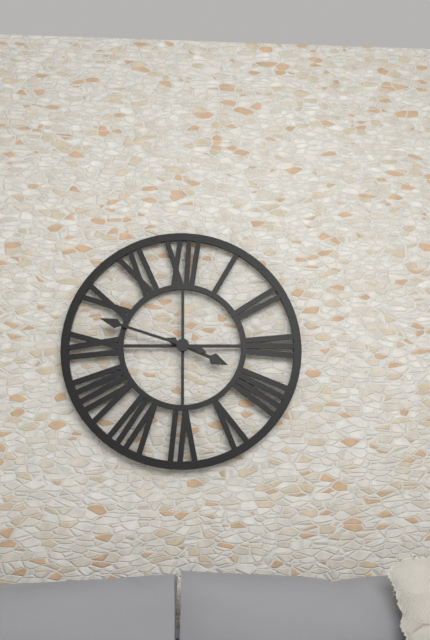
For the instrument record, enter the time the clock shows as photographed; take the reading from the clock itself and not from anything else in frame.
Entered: 3:48
